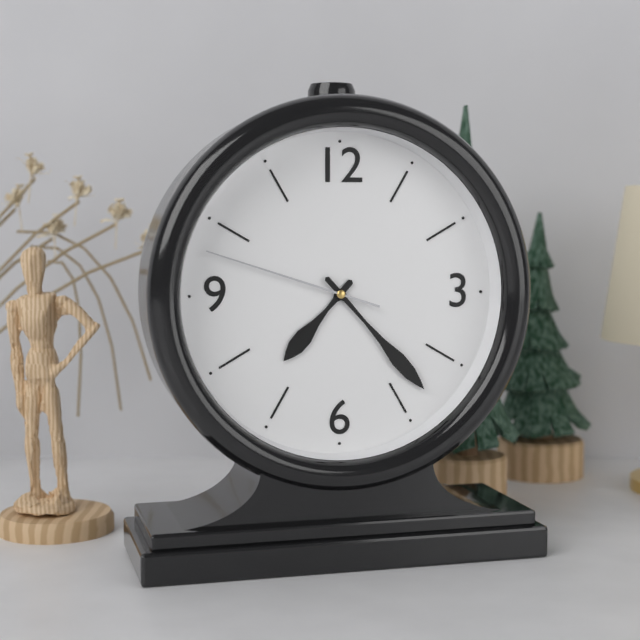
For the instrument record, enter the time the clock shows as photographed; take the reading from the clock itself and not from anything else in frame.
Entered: 7:23:48
